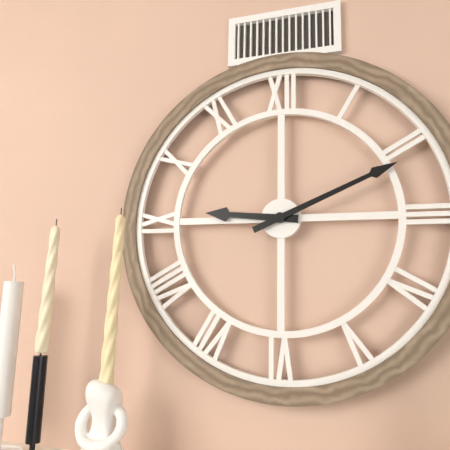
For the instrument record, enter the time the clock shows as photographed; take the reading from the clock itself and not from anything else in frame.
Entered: 9:11
